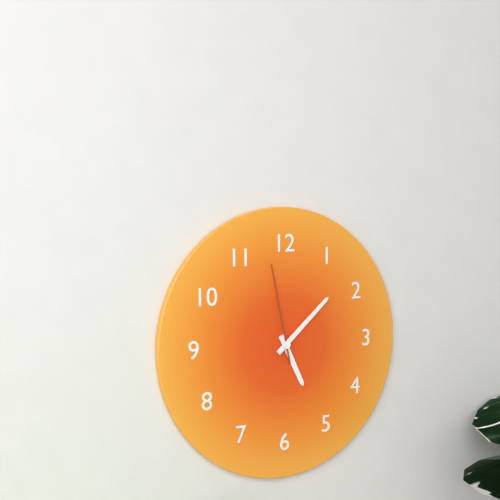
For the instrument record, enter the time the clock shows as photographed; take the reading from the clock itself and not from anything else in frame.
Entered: 5:08:58
